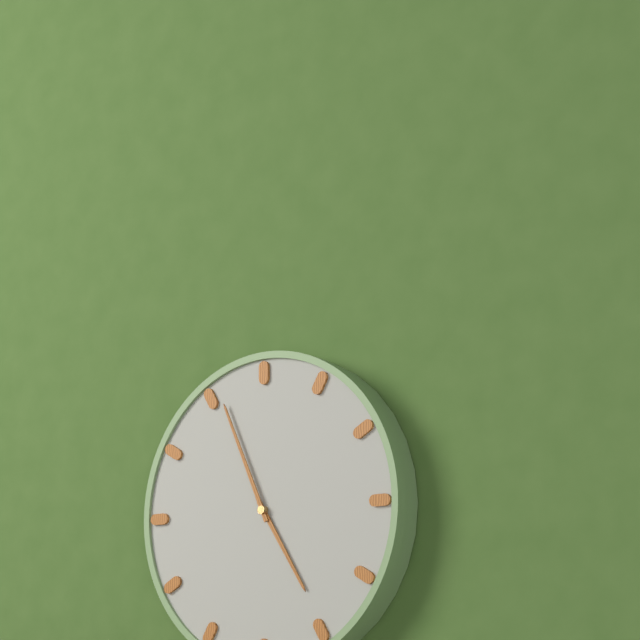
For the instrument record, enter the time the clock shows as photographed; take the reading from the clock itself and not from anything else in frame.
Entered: 4:56
